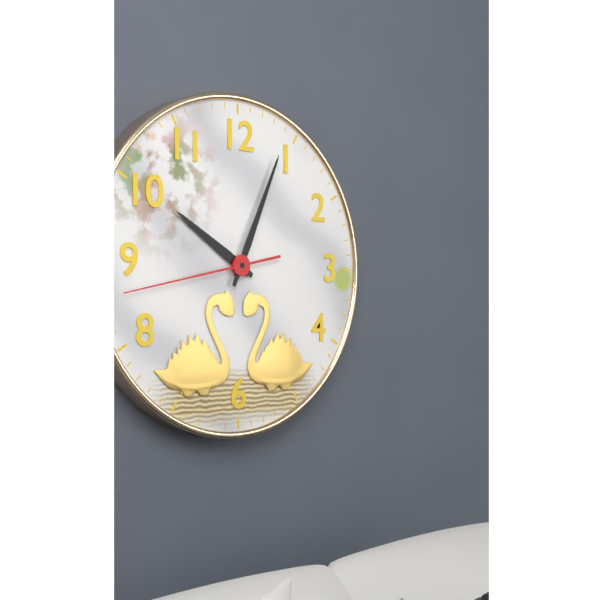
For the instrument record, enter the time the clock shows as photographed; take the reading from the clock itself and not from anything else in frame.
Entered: 10:04:43
